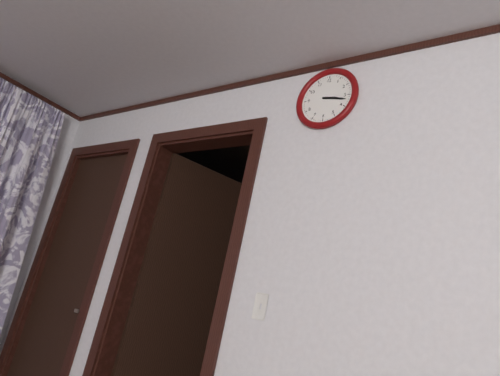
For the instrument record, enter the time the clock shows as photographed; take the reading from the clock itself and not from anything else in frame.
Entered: 3:17
